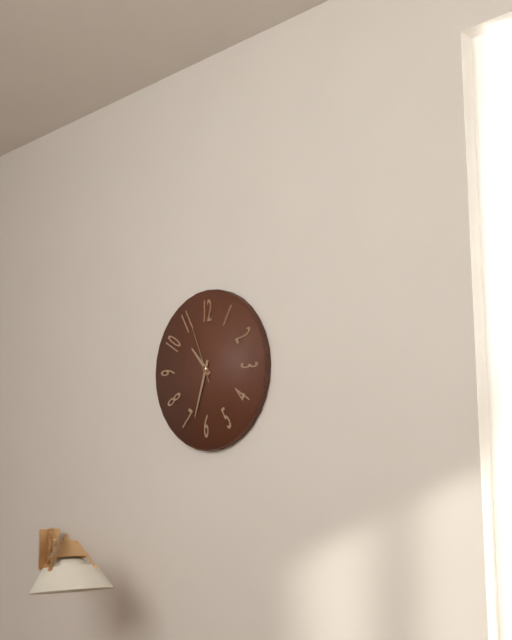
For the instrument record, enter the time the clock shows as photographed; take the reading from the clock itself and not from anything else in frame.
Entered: 10:33:56
